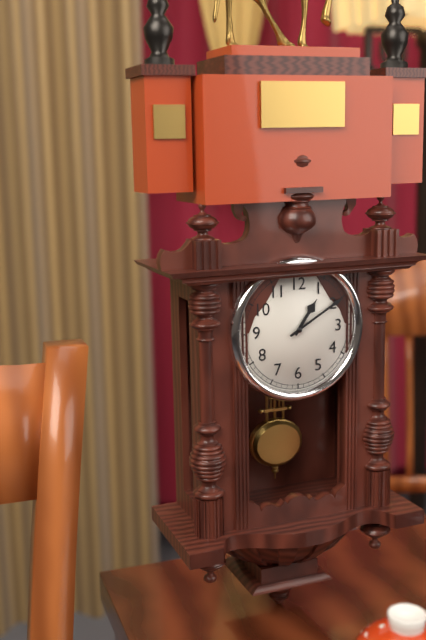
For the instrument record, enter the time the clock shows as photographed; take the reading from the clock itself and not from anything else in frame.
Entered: 1:10
